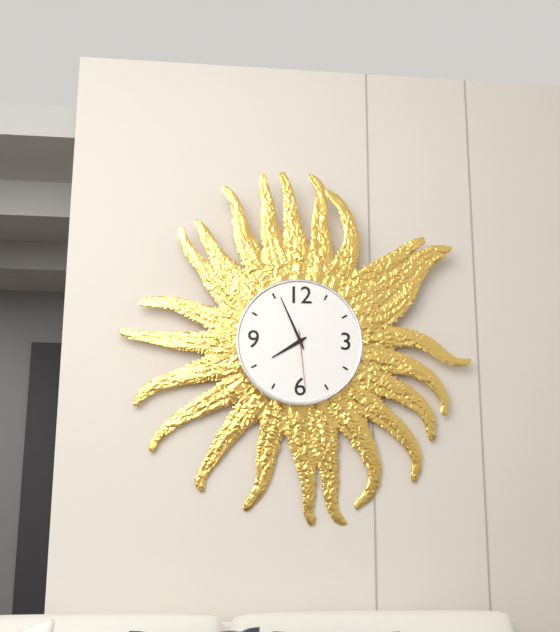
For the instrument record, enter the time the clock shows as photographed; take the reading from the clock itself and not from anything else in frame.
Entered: 7:56:29
